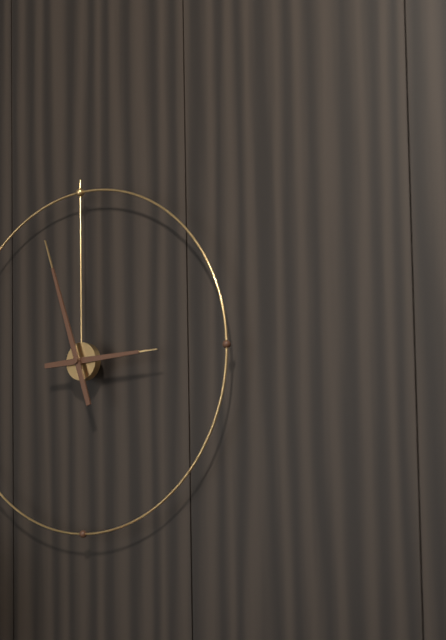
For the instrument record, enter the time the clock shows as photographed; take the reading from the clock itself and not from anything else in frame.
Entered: 2:57
